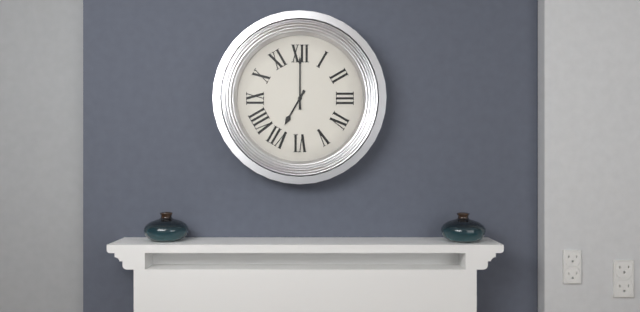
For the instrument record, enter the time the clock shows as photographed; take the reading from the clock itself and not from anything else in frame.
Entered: 7:00
